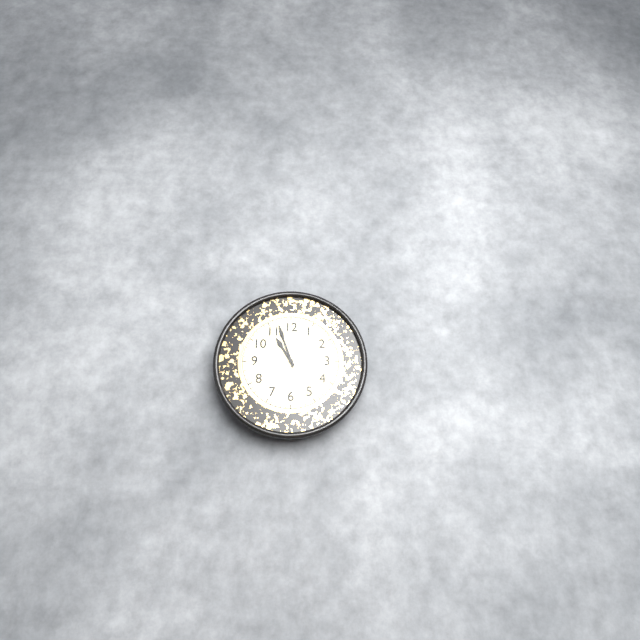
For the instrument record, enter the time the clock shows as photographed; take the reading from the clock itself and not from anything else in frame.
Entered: 10:57
